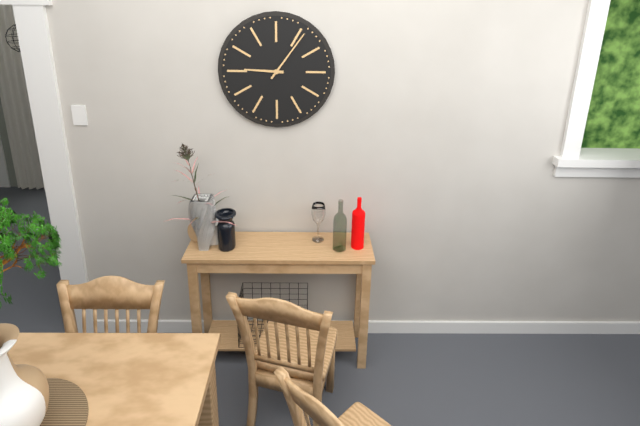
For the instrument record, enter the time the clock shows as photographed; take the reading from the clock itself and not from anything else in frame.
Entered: 9:06
